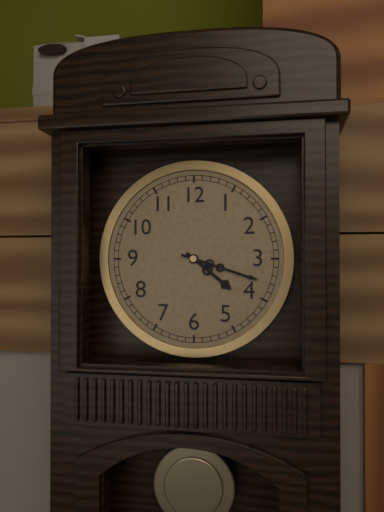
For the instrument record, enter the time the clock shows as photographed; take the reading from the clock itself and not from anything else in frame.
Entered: 4:18
